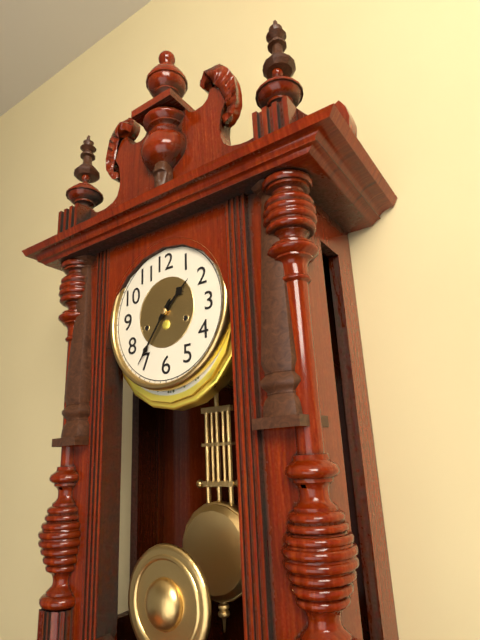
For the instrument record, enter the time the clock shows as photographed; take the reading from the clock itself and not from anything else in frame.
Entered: 1:36
